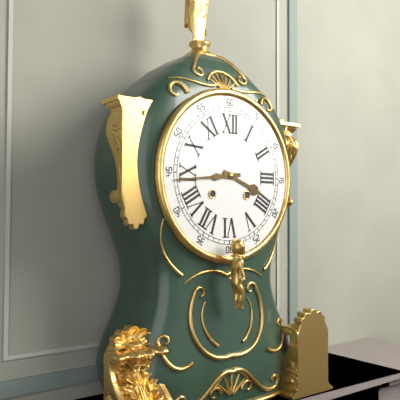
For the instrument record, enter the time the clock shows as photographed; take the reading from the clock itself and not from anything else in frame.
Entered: 3:44
